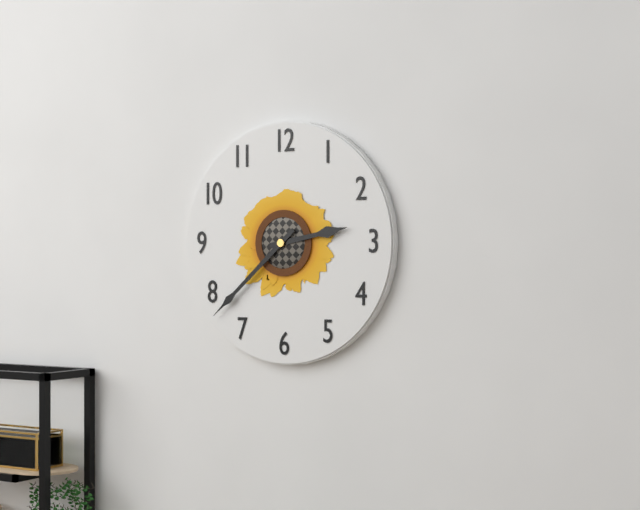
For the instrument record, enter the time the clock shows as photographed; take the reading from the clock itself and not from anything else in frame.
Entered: 2:38
